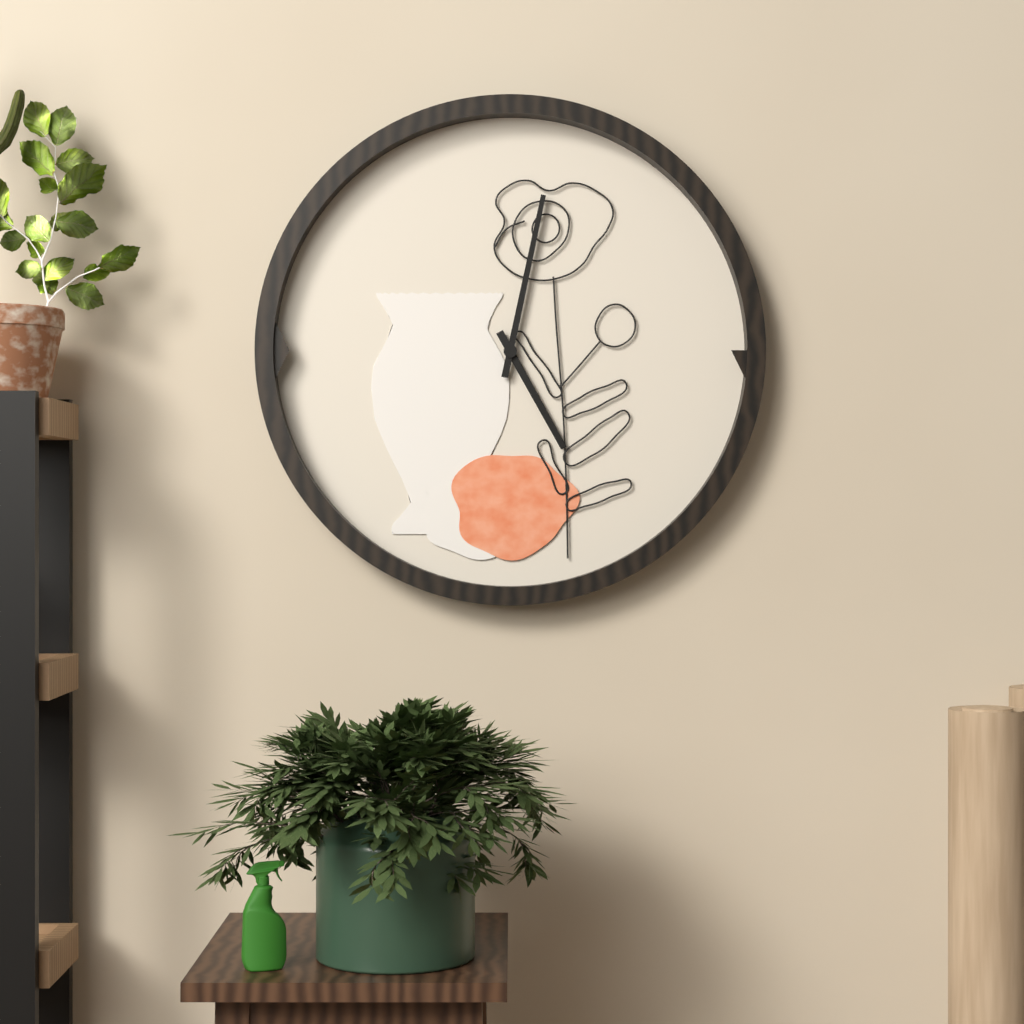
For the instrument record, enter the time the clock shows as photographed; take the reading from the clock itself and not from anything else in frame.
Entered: 5:02
